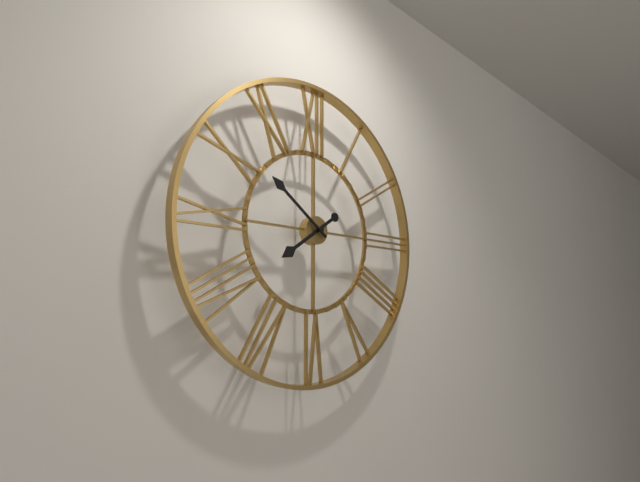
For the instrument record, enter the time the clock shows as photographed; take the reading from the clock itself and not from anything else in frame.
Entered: 7:51
